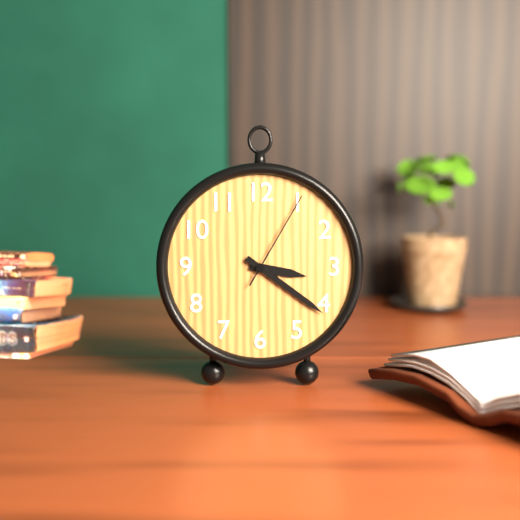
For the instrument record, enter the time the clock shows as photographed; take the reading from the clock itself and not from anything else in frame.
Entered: 3:21:05
